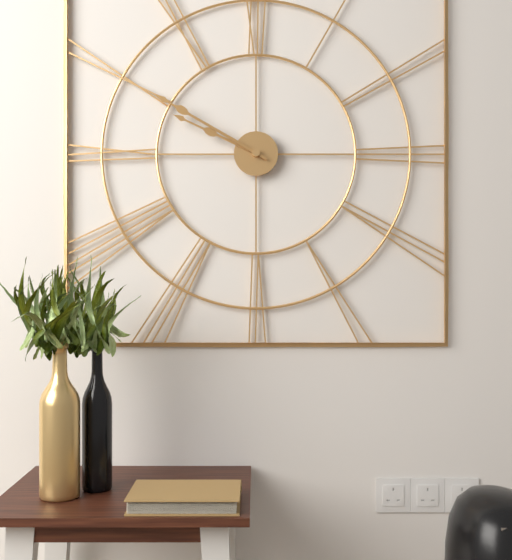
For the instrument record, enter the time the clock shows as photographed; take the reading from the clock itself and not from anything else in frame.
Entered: 9:50
